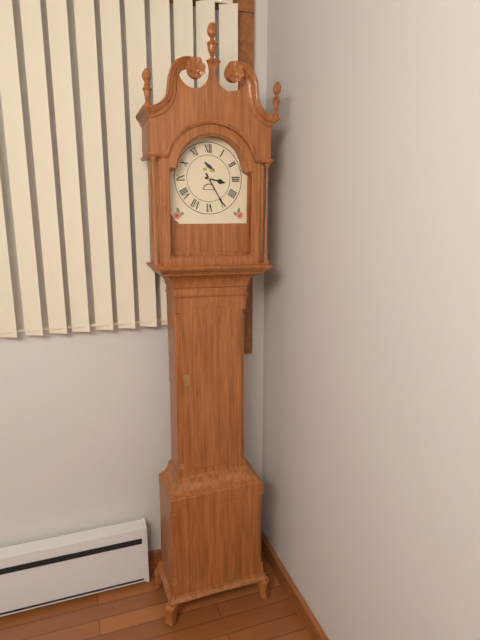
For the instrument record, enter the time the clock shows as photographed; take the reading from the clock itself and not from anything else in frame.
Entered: 3:25
